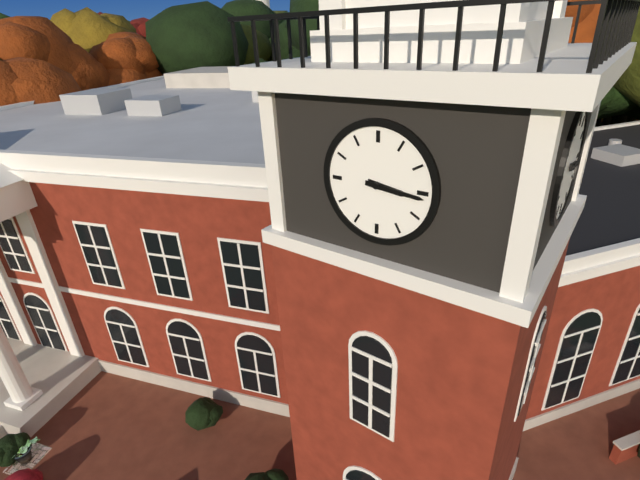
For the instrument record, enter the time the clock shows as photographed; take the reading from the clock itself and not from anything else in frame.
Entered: 3:16
